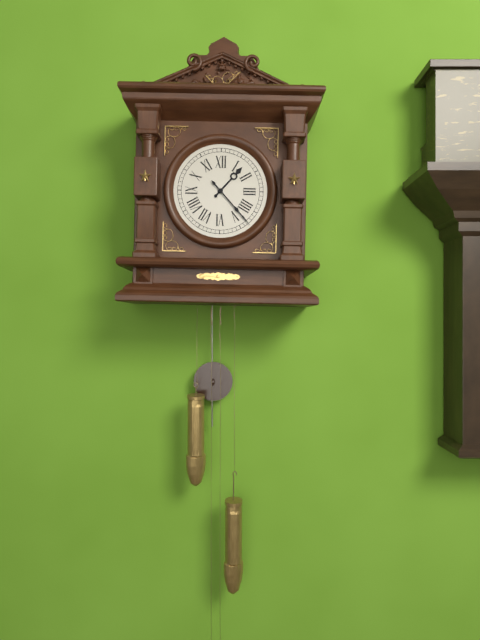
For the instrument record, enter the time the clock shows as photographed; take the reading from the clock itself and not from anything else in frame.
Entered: 1:23
